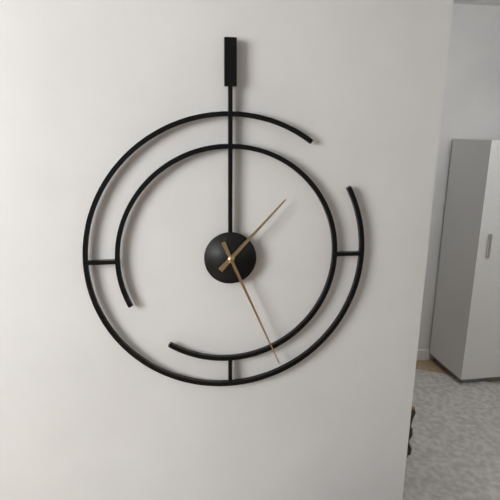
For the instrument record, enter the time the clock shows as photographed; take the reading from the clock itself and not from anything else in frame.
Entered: 1:26
